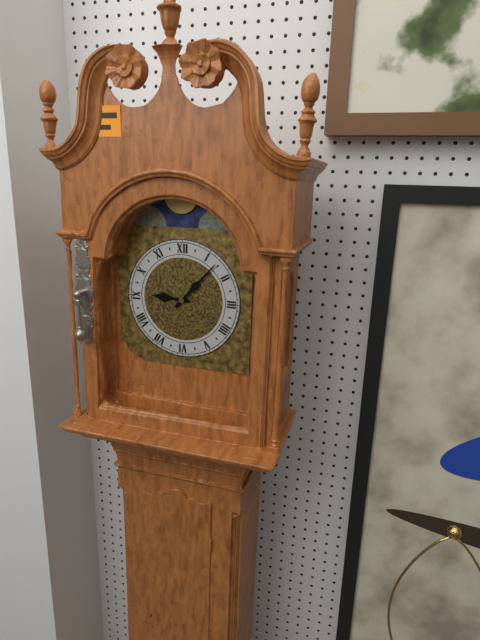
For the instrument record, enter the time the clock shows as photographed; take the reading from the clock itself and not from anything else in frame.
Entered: 9:07
